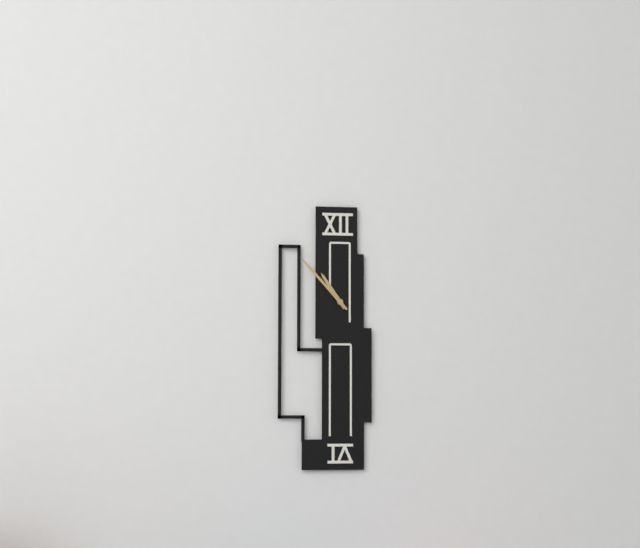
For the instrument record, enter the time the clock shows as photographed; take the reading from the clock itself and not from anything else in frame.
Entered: 10:53
